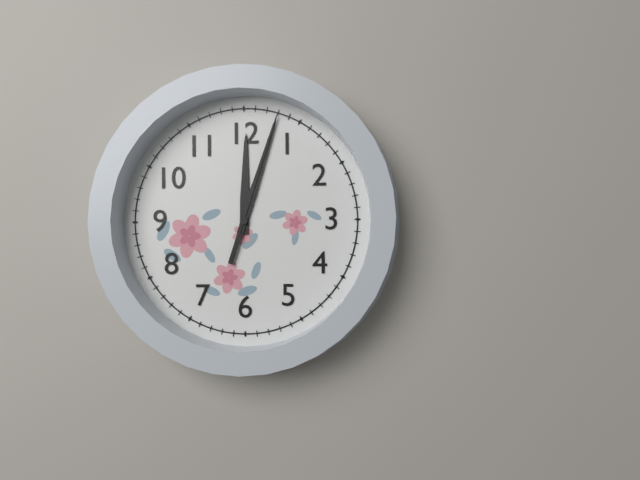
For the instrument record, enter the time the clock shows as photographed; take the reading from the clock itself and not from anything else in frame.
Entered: 12:03:03
